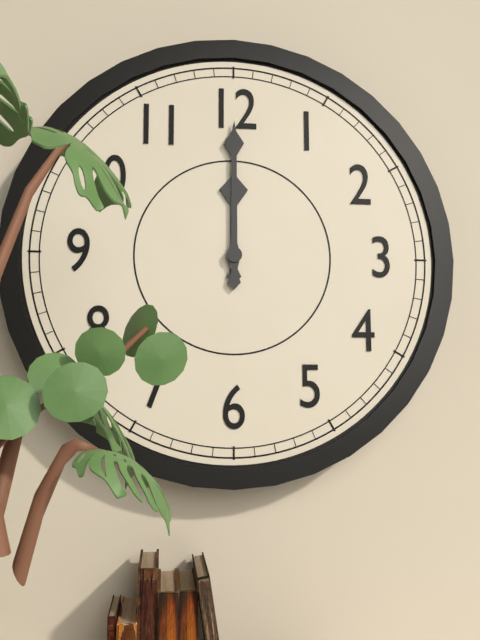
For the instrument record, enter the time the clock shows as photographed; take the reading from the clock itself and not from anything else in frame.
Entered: 12:00
